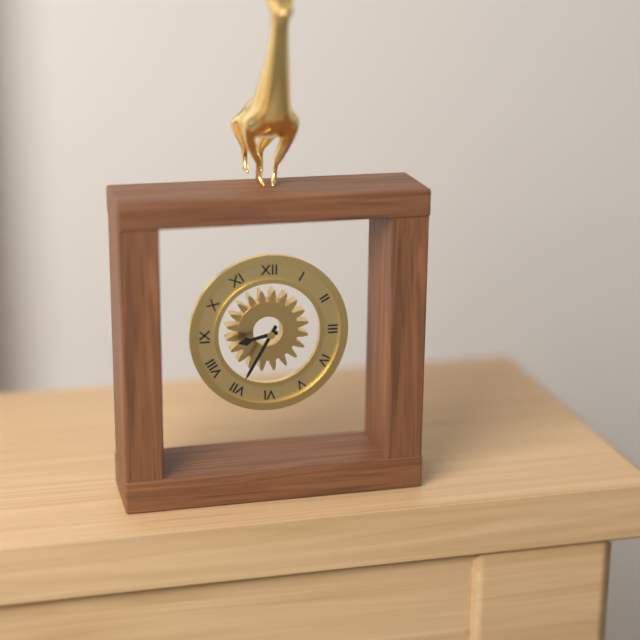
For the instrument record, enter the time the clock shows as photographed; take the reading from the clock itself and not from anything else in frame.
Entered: 8:35
